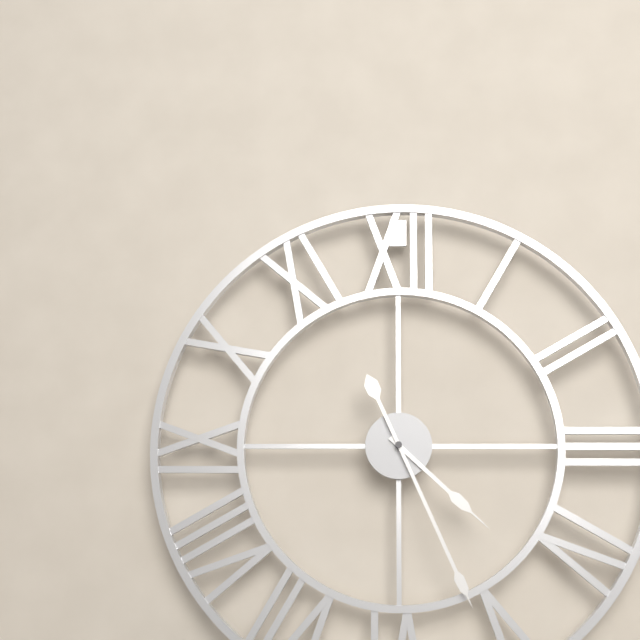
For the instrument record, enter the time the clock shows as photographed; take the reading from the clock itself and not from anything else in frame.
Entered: 4:26
